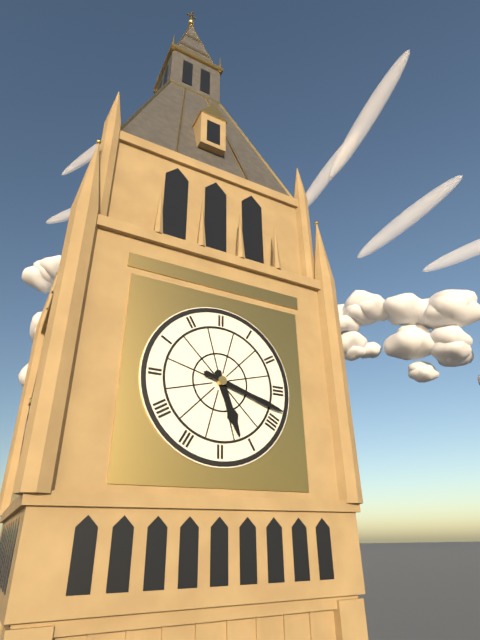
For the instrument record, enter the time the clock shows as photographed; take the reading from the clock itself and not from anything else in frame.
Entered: 5:18
